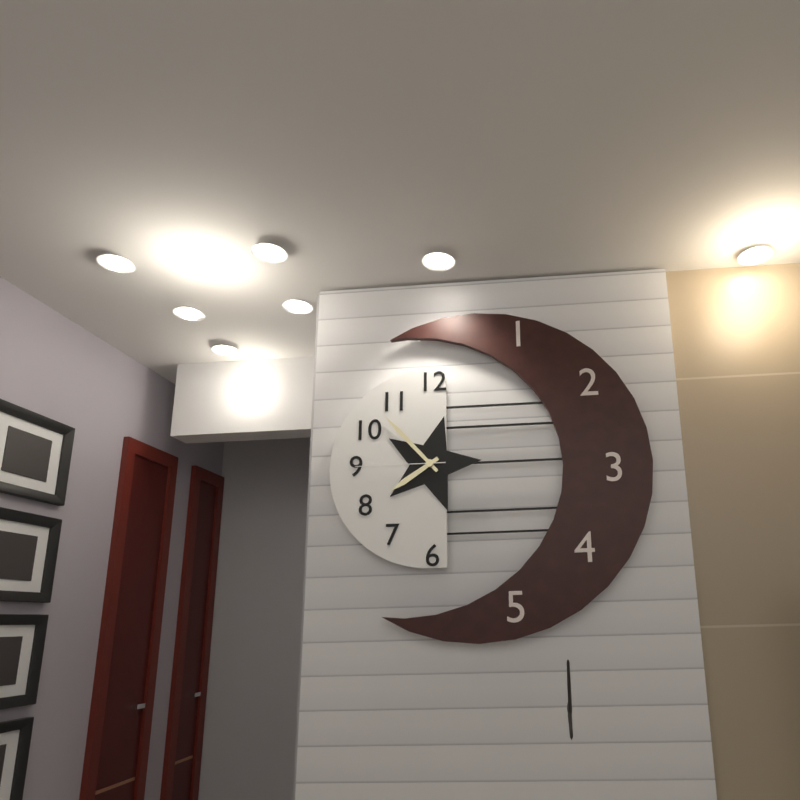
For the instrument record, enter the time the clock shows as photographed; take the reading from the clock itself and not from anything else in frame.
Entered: 7:53:45
